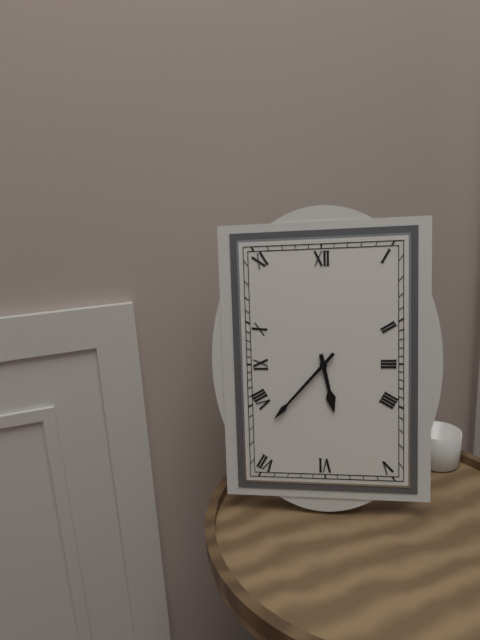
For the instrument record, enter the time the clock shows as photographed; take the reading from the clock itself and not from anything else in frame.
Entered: 5:37
